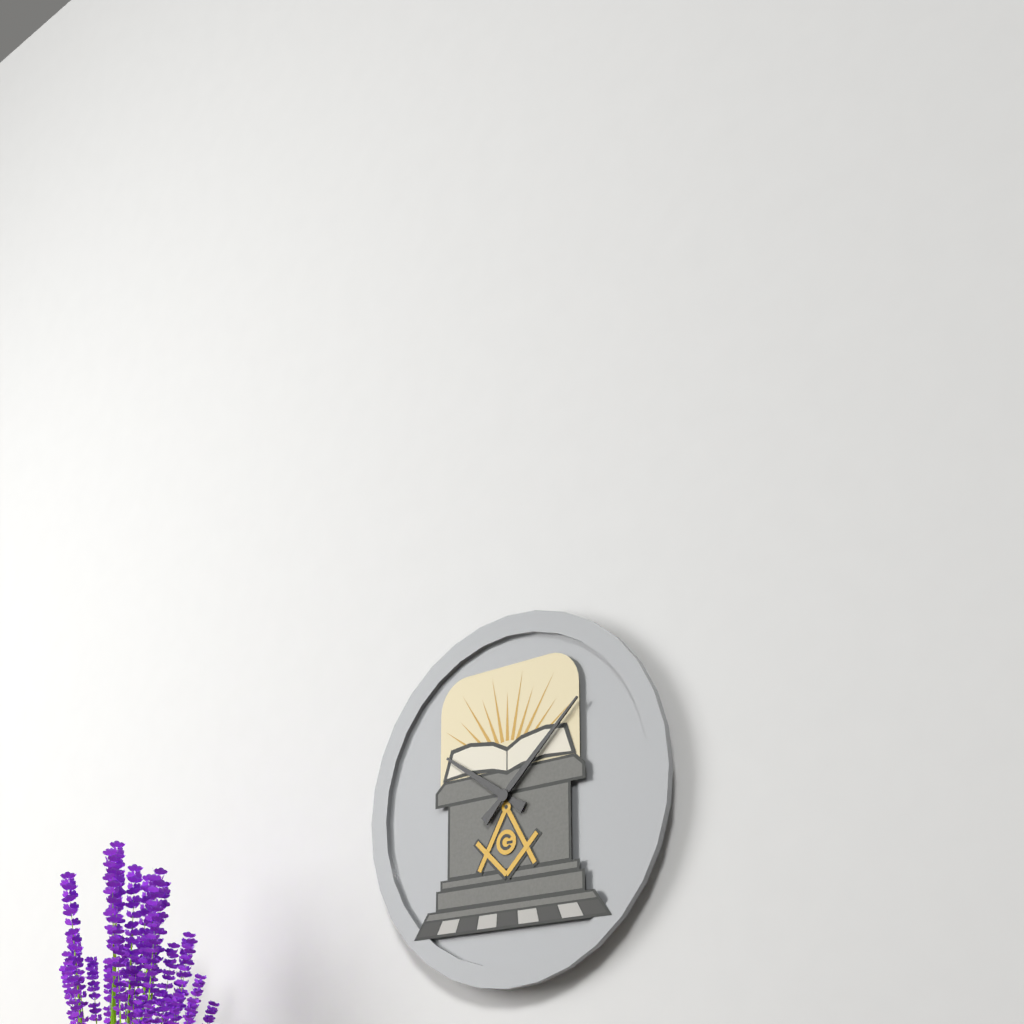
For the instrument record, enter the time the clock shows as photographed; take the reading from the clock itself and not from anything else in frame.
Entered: 10:08
